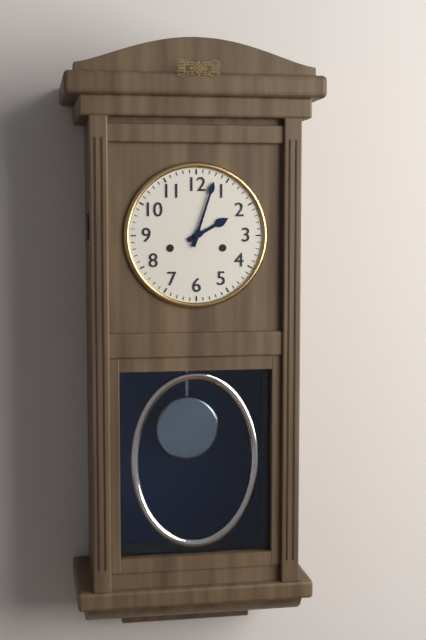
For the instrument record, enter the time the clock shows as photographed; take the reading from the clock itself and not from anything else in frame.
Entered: 2:03
